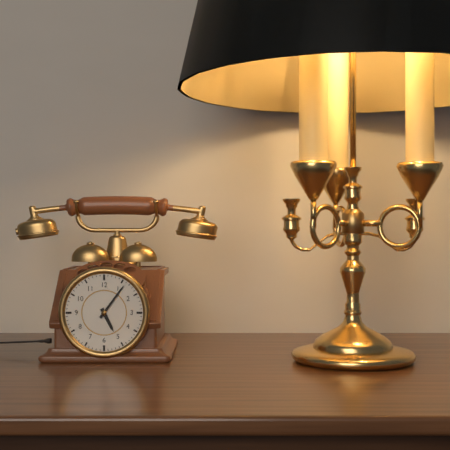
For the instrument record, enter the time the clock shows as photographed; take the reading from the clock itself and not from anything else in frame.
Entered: 5:06
